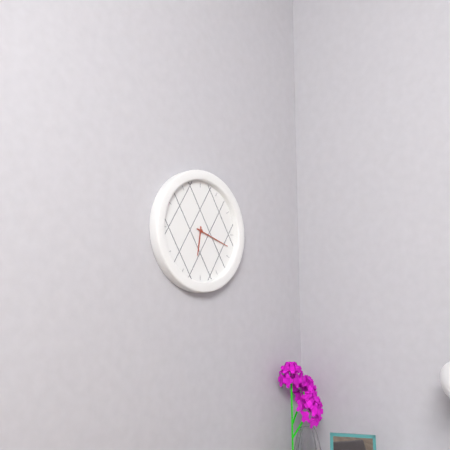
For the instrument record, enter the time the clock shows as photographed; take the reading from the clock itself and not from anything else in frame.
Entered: 6:18
